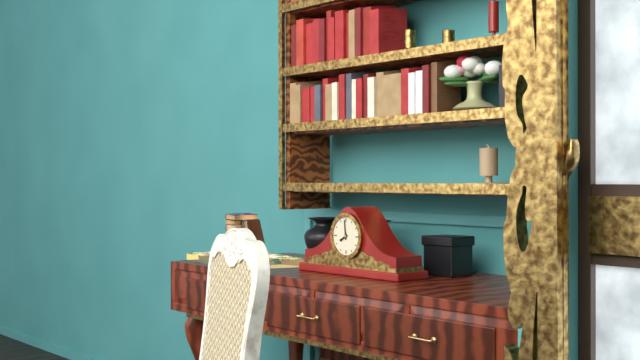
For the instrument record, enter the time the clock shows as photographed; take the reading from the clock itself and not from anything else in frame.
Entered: 7:59
